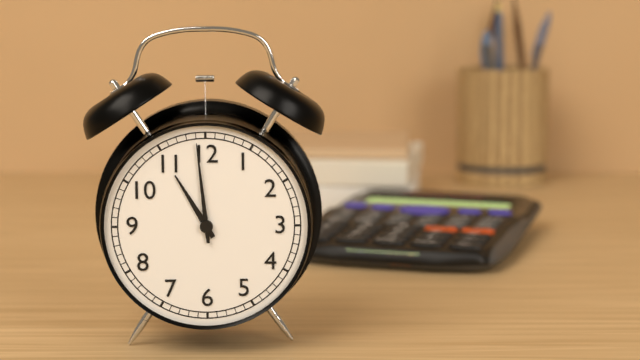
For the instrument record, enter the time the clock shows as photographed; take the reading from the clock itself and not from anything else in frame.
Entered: 10:59
